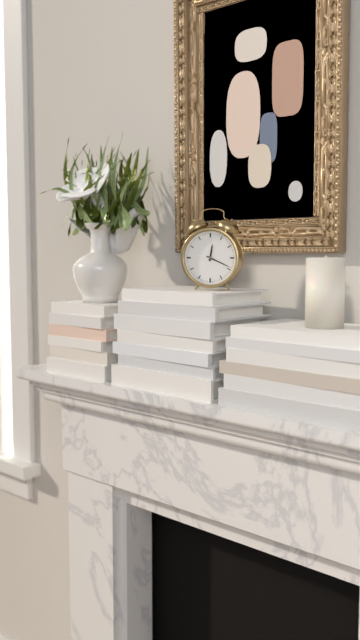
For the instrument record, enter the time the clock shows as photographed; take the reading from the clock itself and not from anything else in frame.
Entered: 12:19
